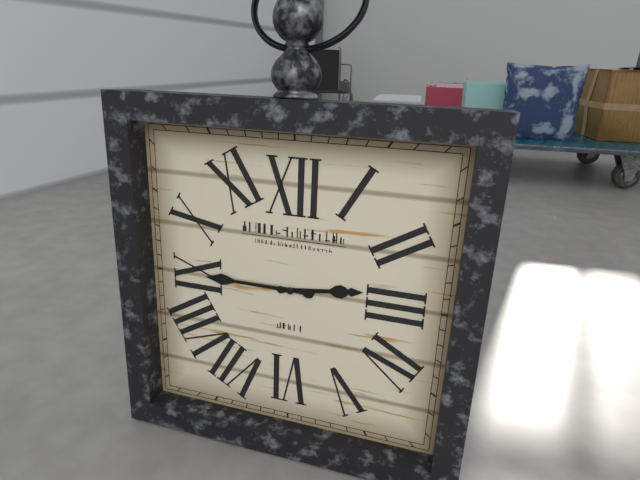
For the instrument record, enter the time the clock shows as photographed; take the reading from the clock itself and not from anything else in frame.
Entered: 2:45
